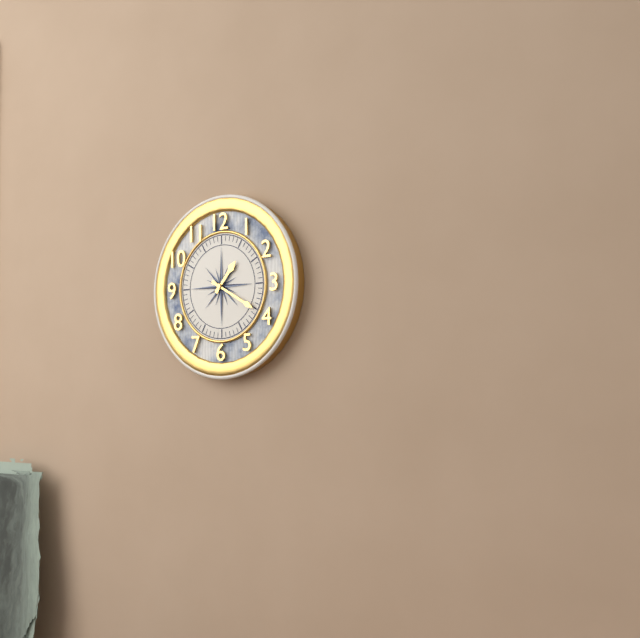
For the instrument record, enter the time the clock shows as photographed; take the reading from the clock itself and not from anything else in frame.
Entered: 1:20
